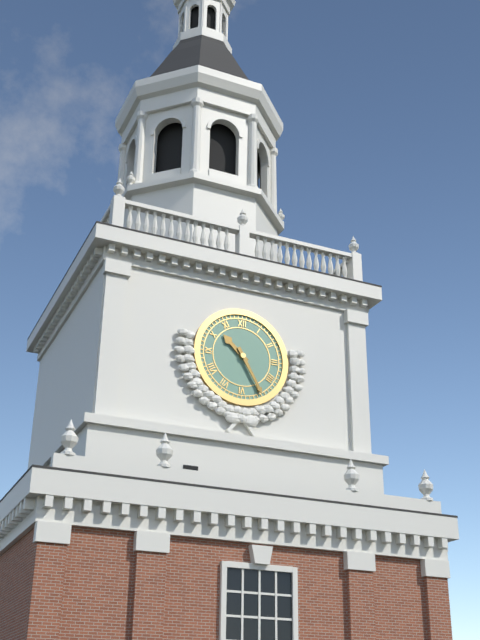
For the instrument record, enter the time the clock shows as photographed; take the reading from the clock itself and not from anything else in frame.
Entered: 10:25
